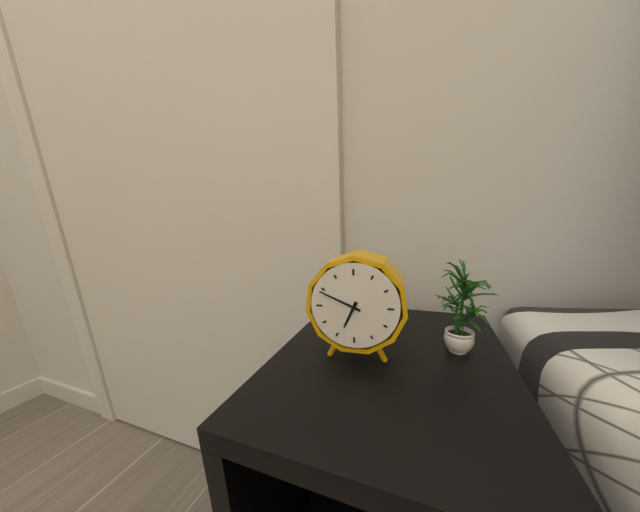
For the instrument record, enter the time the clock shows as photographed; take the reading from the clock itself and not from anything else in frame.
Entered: 6:49
